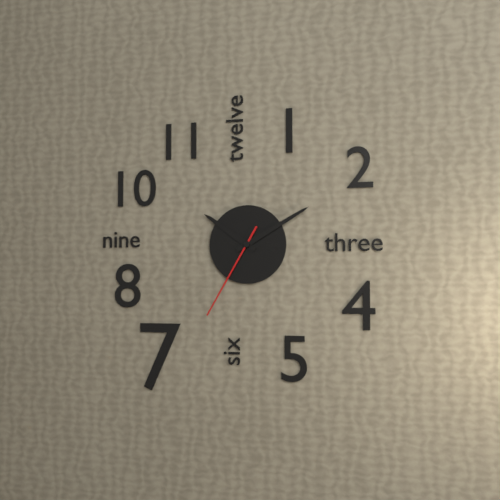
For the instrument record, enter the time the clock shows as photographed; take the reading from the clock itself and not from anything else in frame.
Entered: 10:10:35
